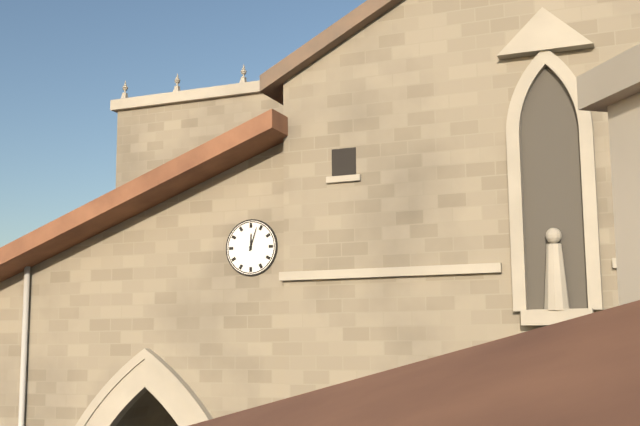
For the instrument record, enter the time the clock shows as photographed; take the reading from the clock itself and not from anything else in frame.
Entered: 12:03
